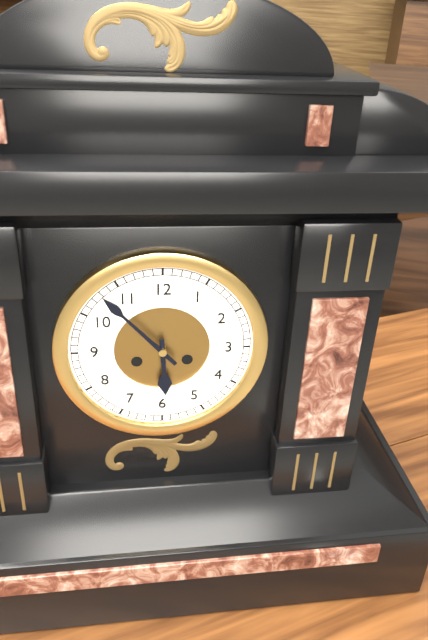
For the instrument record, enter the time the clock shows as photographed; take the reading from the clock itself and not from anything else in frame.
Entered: 5:53
